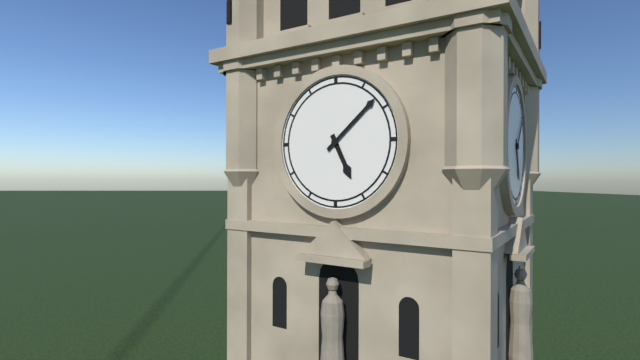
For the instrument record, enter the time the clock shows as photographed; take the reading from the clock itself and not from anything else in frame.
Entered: 5:08
